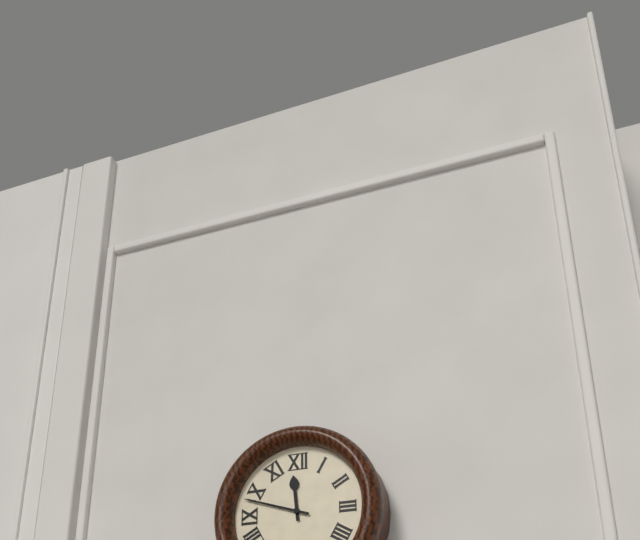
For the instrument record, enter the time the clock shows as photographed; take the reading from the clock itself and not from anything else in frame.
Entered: 11:48
